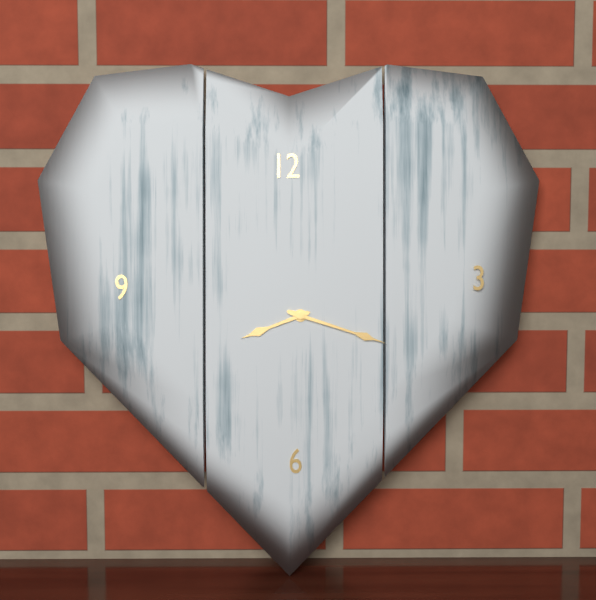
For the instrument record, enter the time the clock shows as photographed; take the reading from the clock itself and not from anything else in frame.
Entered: 8:18
